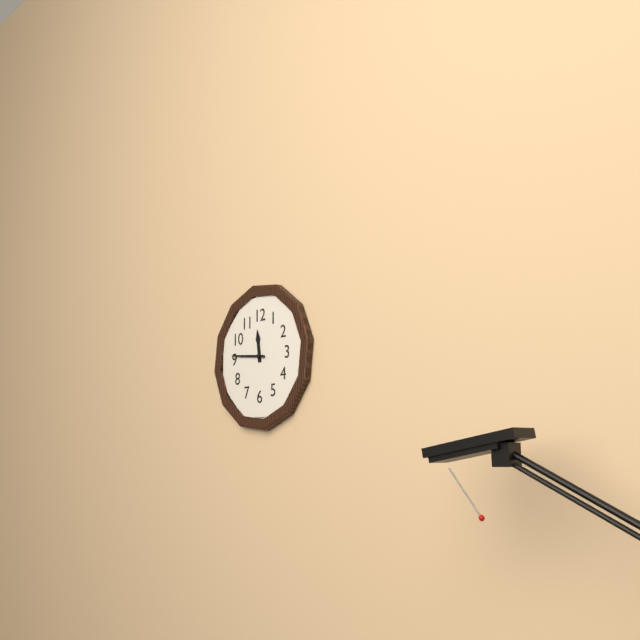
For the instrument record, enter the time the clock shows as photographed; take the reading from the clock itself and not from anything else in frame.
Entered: 11:46
